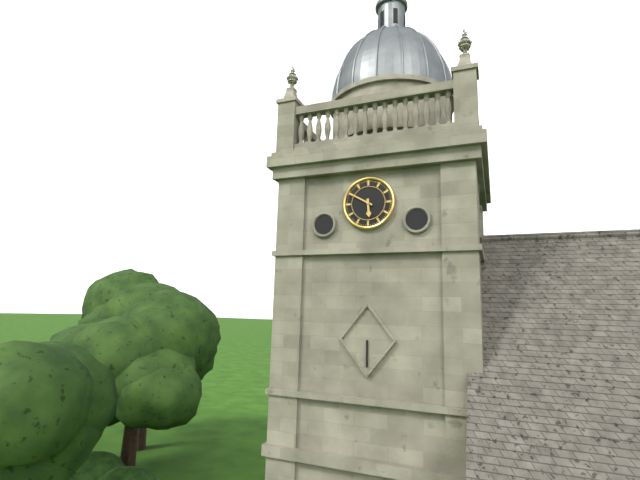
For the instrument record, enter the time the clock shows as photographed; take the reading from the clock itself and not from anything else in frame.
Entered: 5:50
